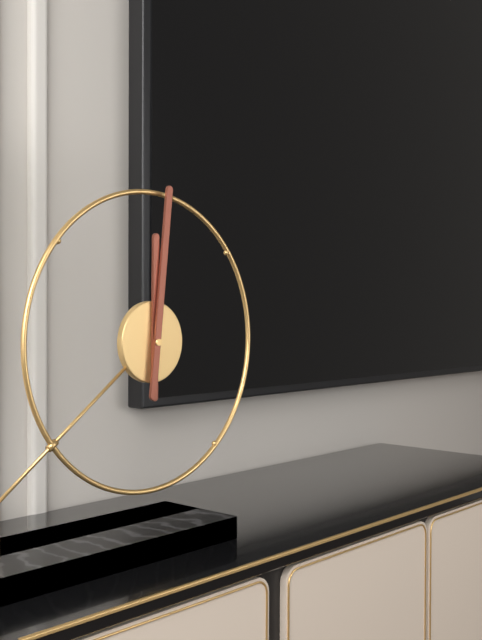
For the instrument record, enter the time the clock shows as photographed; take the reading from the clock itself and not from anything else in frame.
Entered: 12:01
